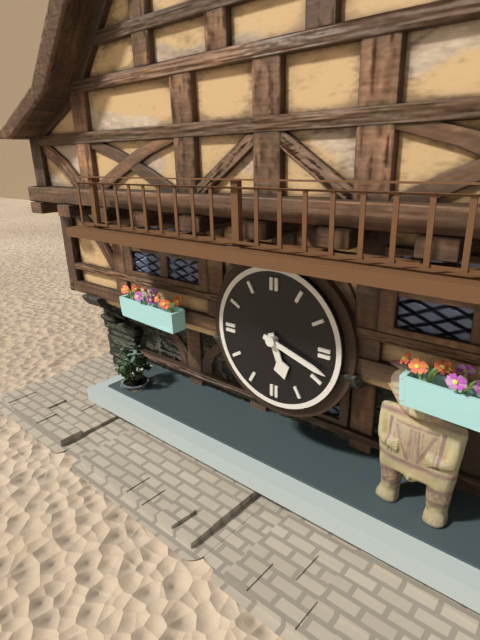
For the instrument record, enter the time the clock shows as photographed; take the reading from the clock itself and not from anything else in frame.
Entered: 5:18
